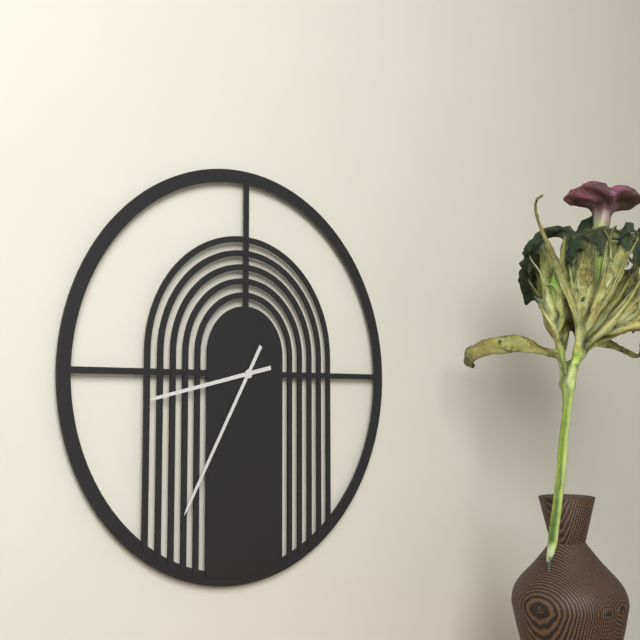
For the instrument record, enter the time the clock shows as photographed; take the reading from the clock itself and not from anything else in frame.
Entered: 8:35
